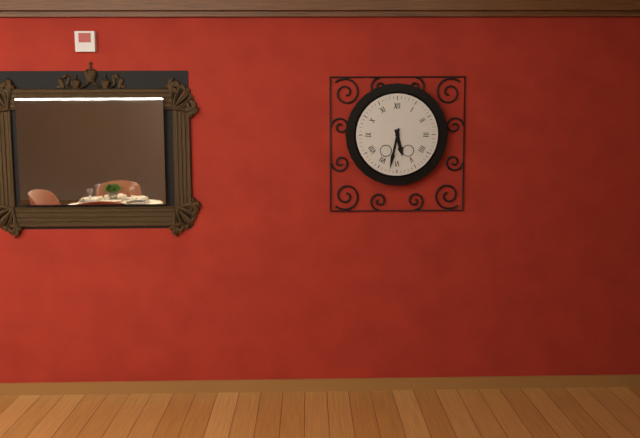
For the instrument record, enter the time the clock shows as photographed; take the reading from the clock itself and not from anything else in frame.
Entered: 5:32
